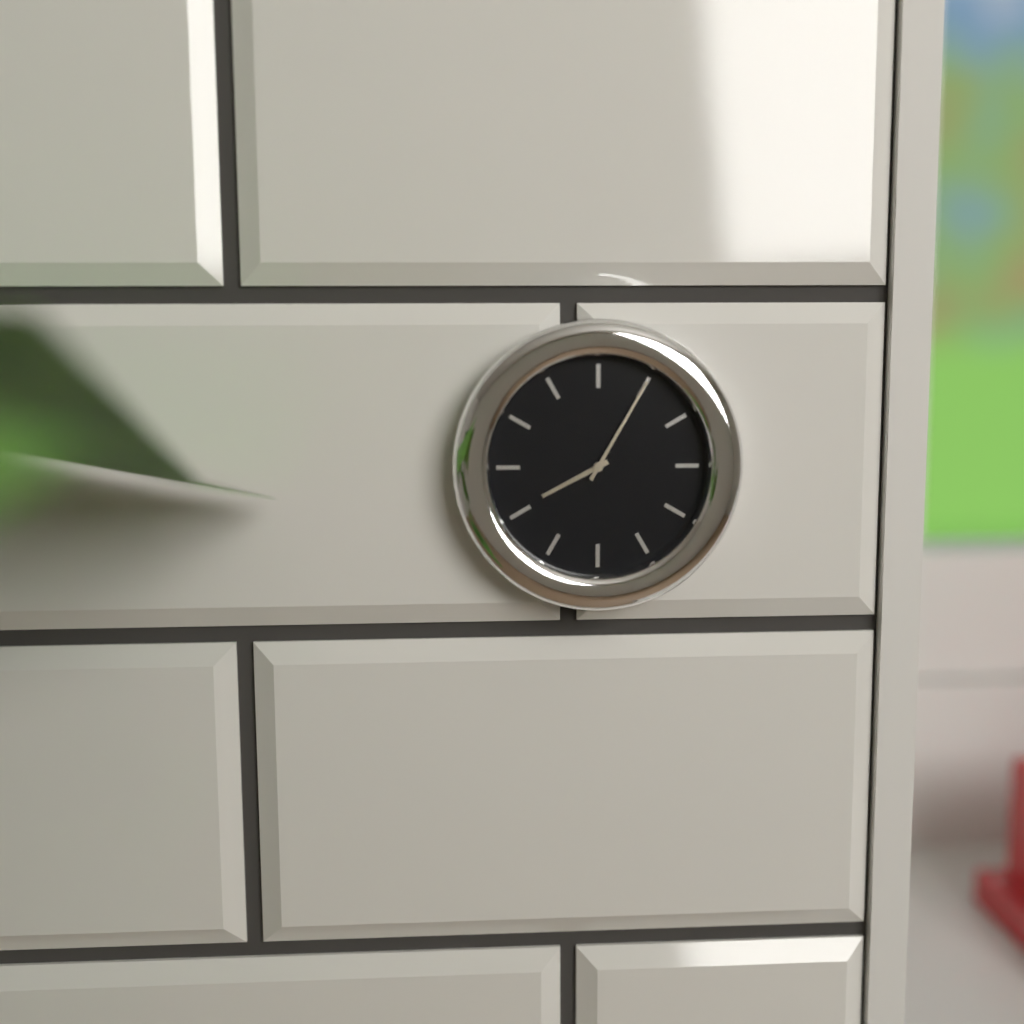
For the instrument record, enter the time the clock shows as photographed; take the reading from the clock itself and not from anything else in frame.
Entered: 8:05
